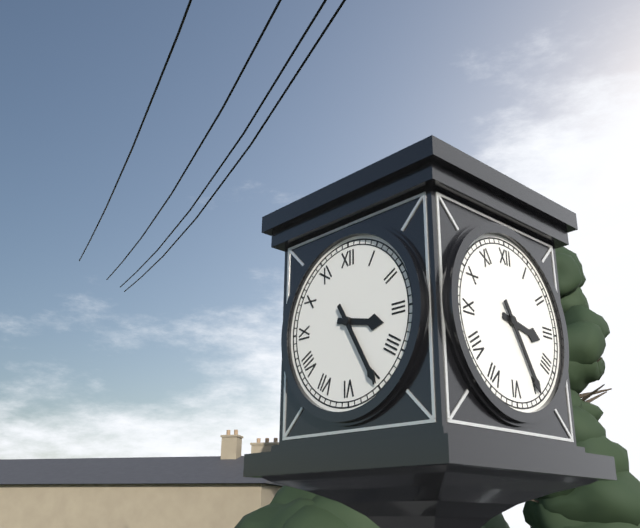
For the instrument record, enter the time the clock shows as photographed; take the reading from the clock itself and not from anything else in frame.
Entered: 3:25
